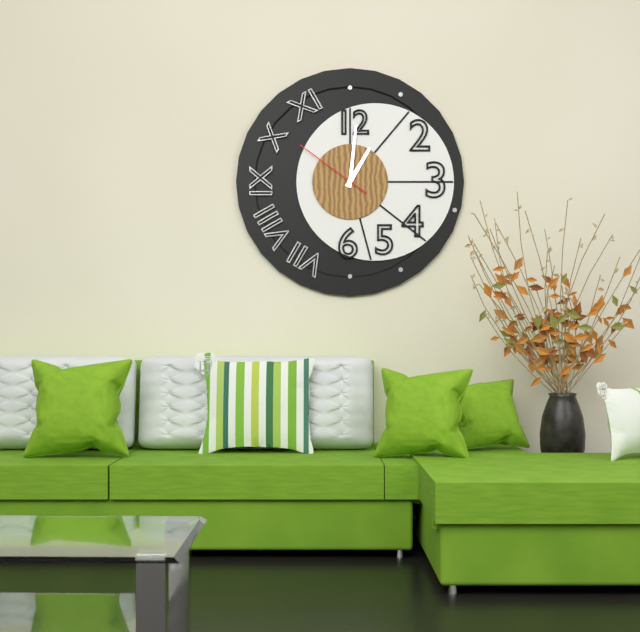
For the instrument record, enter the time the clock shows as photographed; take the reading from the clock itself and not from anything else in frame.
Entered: 1:01:51
